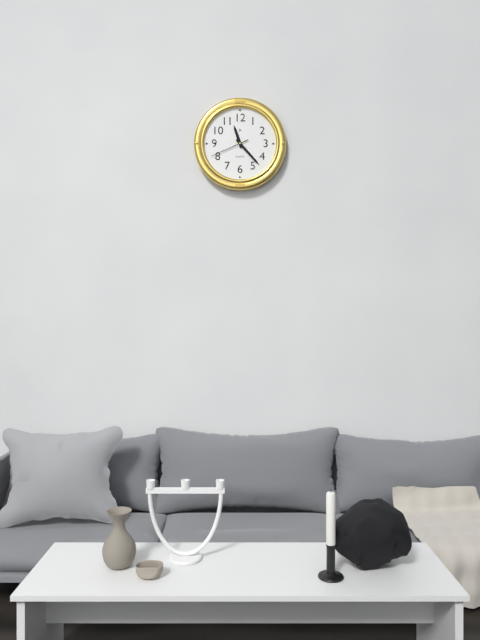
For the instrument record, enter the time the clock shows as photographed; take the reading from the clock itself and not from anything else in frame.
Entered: 11:23
